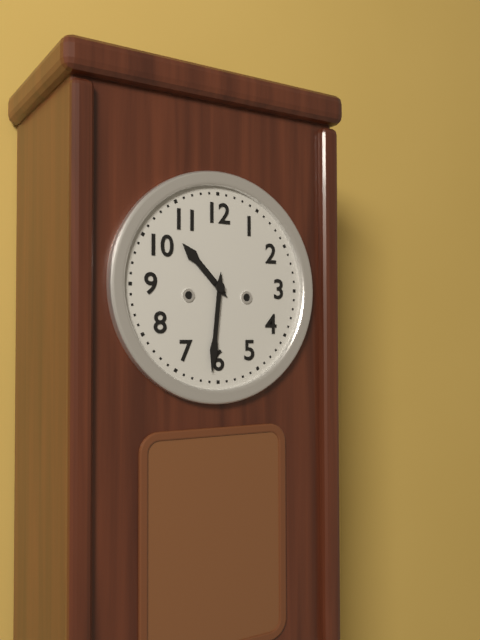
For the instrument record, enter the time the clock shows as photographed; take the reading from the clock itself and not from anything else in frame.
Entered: 10:31
